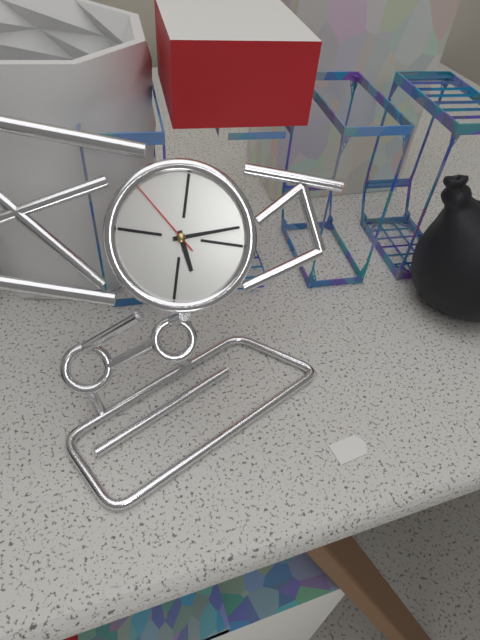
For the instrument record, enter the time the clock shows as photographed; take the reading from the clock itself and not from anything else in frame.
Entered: 5:12:52
